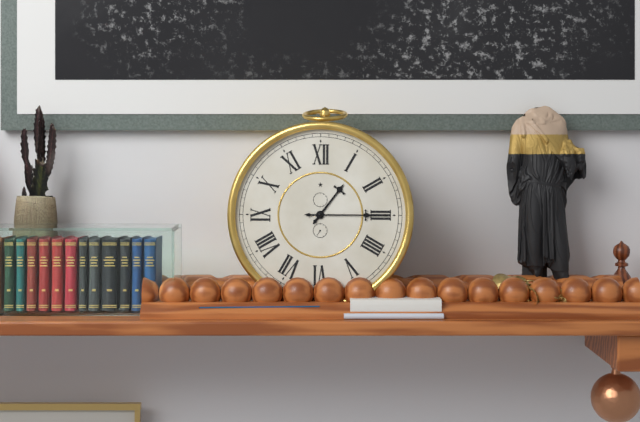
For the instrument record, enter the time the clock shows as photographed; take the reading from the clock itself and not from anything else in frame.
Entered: 1:15
